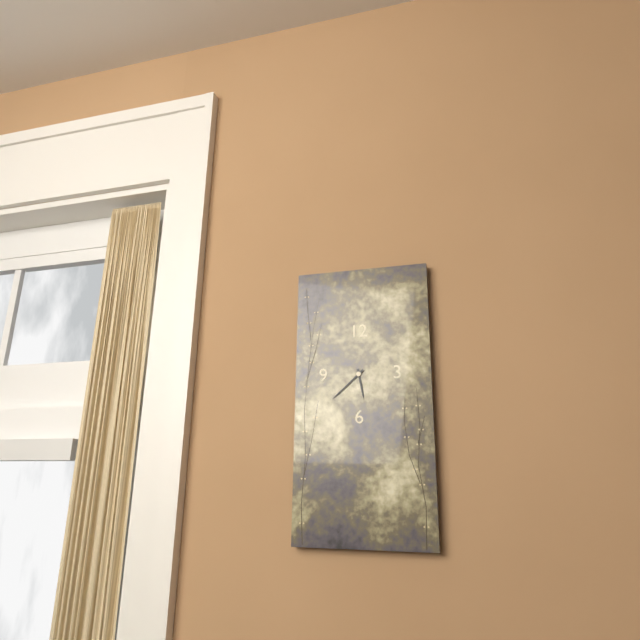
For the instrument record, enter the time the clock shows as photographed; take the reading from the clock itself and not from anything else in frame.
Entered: 5:38
